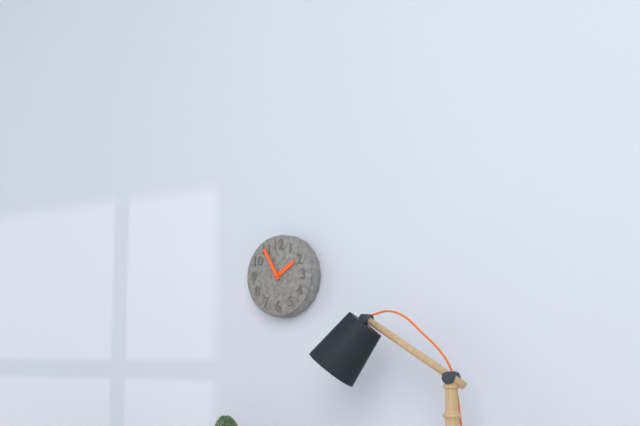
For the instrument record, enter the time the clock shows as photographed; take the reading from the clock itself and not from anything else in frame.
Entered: 1:55
